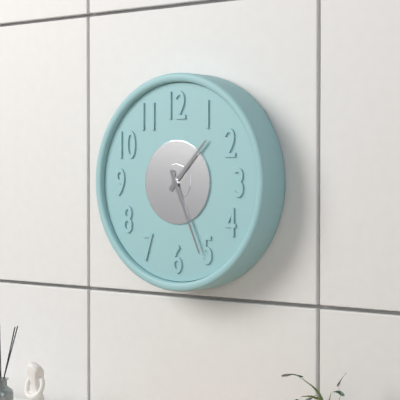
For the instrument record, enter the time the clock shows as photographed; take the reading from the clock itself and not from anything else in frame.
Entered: 1:26
